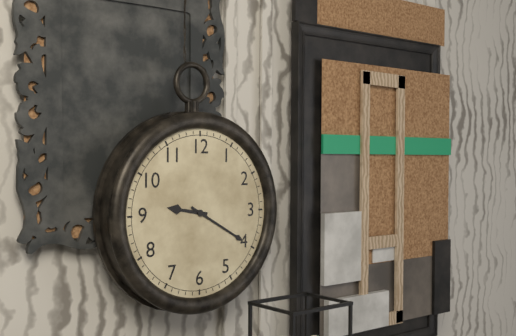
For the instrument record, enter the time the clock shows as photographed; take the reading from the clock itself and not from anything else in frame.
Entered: 9:20
